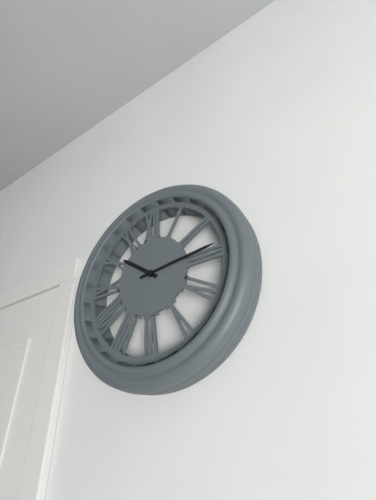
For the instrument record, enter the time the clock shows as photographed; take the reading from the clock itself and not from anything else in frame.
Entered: 10:14
